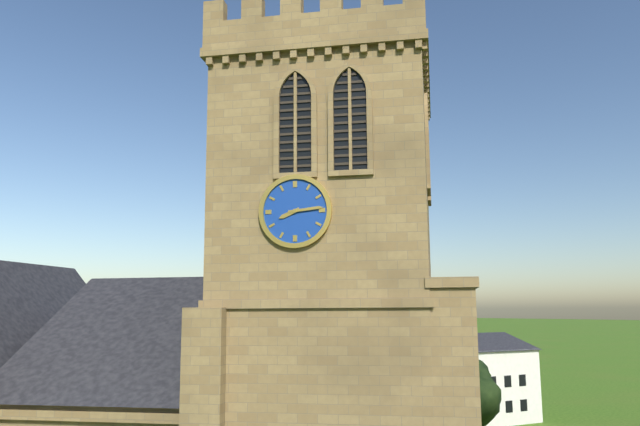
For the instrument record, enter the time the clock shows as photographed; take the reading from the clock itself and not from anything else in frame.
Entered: 8:14
